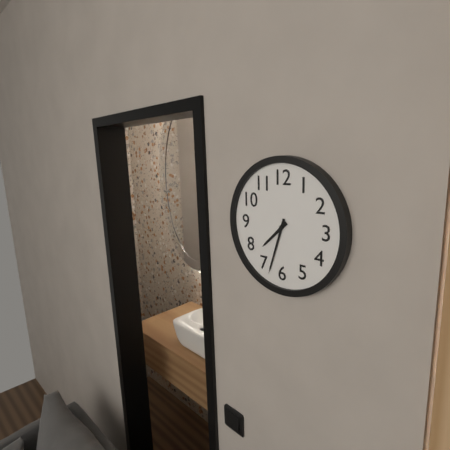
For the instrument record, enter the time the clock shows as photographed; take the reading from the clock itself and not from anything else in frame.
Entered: 7:33
